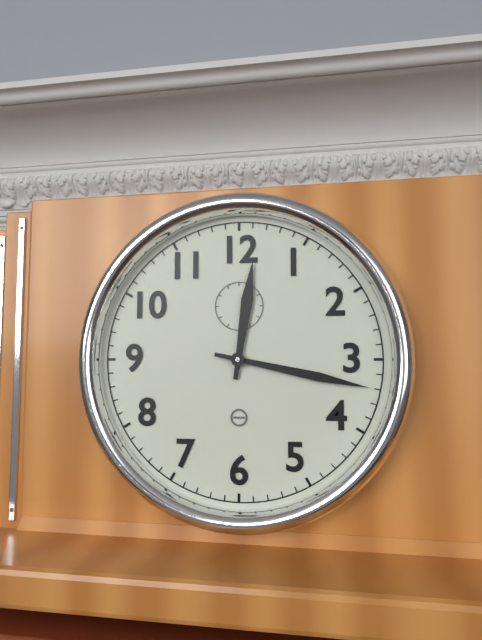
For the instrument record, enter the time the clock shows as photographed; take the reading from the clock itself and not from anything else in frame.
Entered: 12:17
